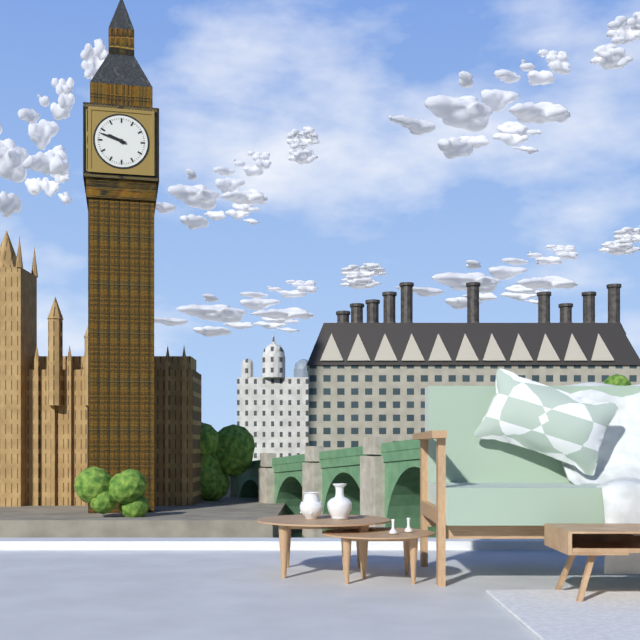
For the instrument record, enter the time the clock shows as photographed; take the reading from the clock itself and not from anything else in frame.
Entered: 9:48
